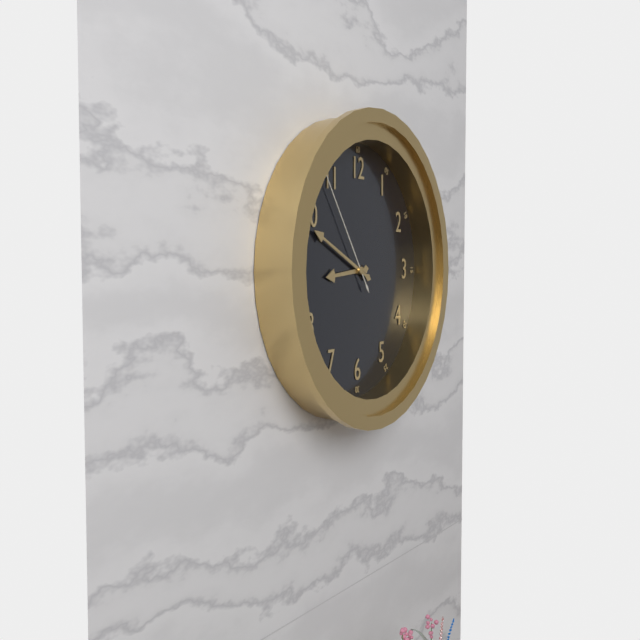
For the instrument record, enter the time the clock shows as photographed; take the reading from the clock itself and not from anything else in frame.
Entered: 8:49:54
